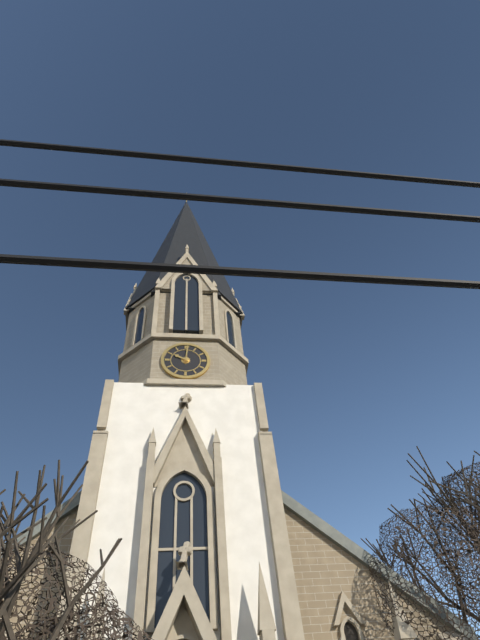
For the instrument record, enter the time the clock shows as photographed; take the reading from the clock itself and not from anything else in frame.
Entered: 10:01
